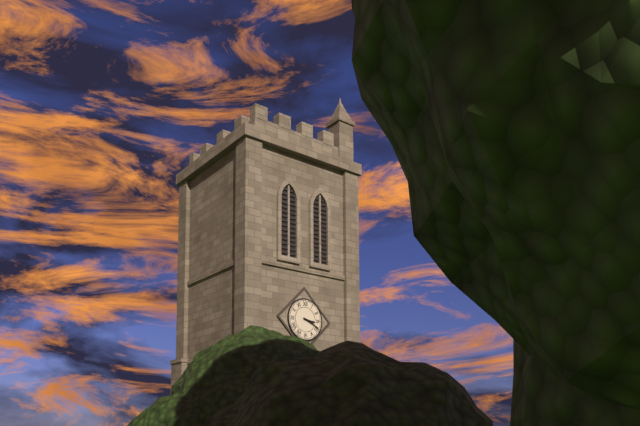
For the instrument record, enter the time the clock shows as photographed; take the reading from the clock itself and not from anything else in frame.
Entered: 3:19
